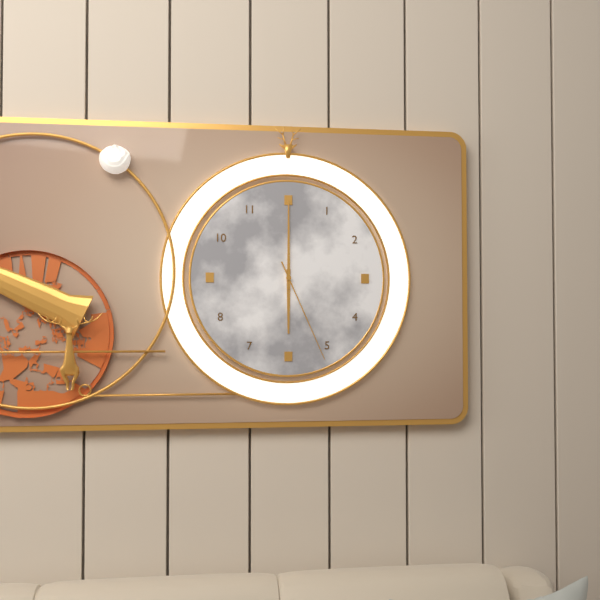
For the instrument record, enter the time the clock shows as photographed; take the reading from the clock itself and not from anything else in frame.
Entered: 6:00:26
